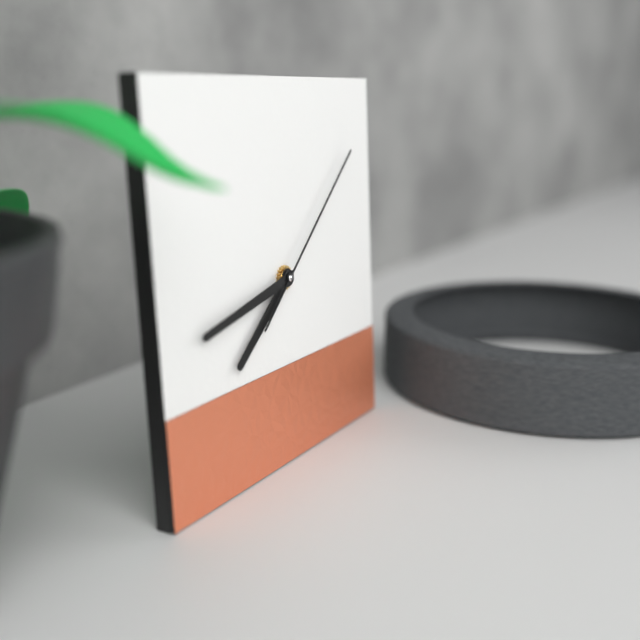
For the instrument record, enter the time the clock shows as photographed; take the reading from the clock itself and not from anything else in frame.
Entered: 7:43:08
